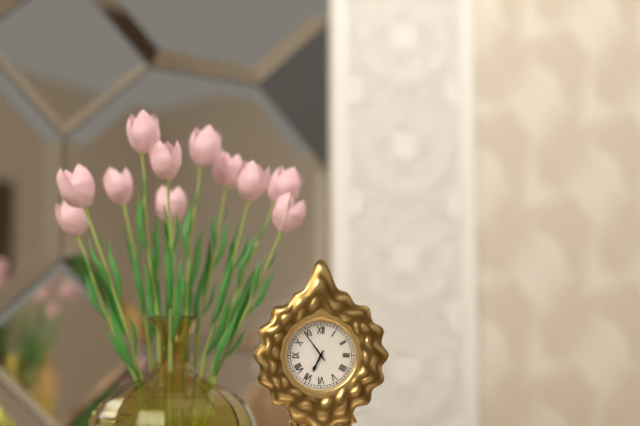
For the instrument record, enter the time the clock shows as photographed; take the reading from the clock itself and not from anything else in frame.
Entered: 6:54
